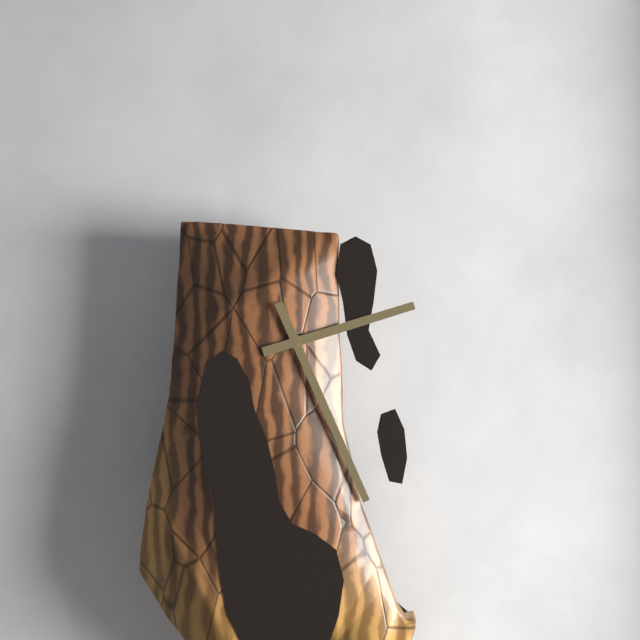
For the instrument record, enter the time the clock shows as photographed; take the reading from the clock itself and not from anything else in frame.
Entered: 2:26
